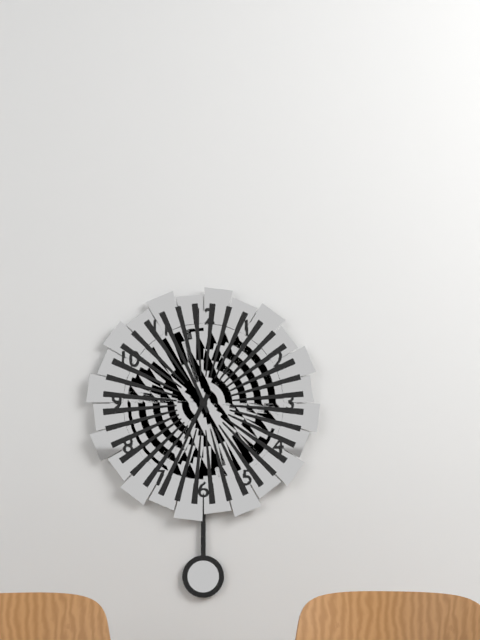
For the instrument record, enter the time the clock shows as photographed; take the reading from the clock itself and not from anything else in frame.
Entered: 6:56
